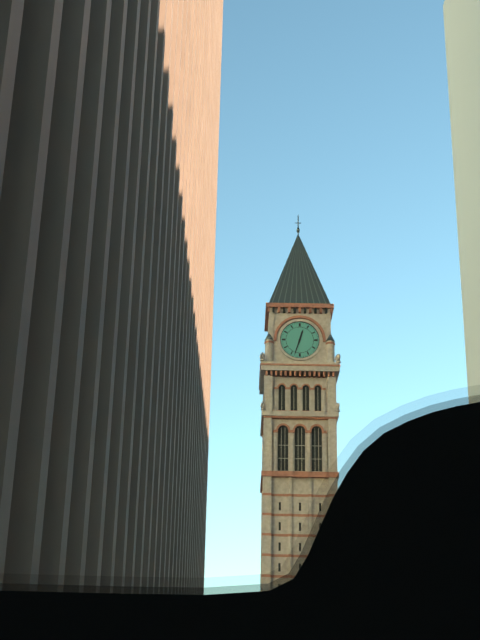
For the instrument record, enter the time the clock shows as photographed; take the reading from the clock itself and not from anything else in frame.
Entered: 12:33
